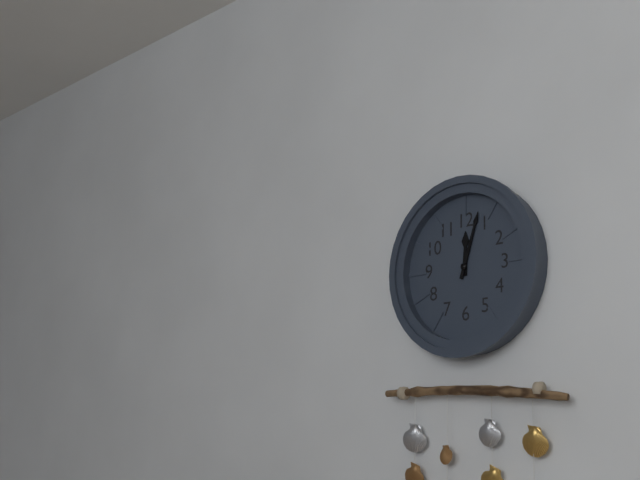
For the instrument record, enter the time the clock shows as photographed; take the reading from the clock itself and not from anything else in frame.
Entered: 12:03
